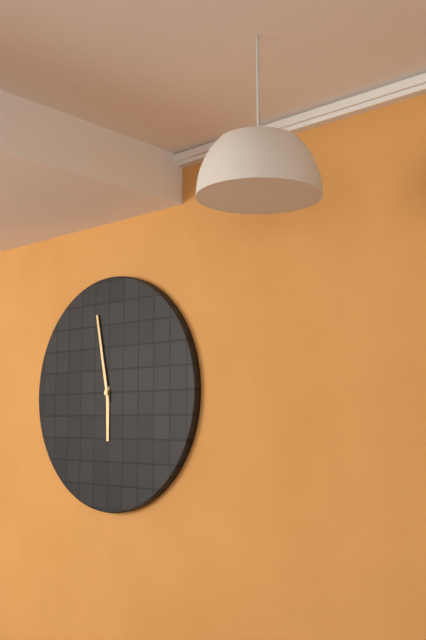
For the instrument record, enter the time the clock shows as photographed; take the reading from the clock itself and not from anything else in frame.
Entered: 5:58
